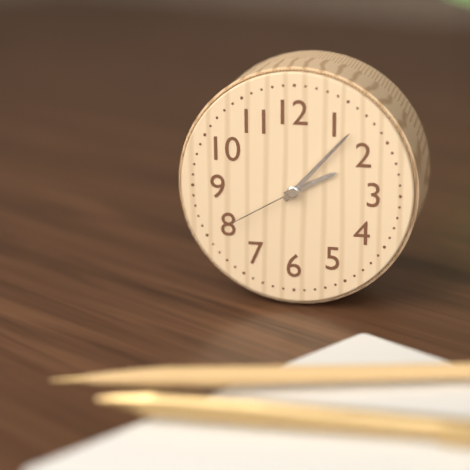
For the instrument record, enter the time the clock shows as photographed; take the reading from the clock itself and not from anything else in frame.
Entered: 2:07:40
